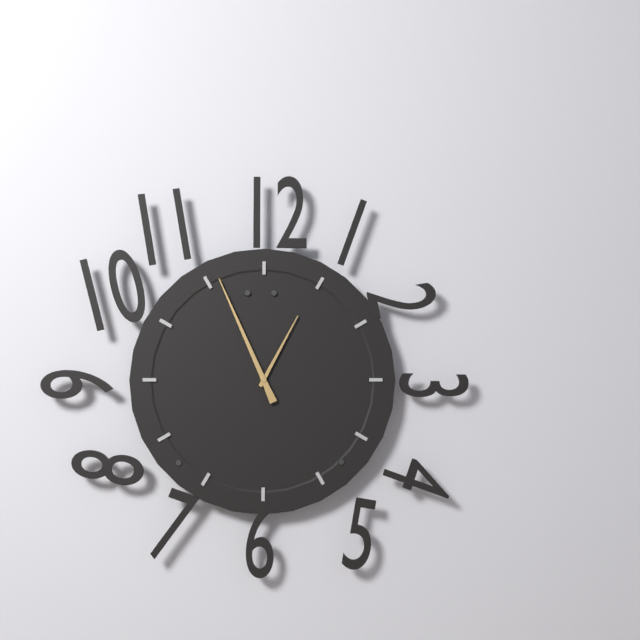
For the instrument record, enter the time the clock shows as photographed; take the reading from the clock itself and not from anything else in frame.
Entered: 12:56
